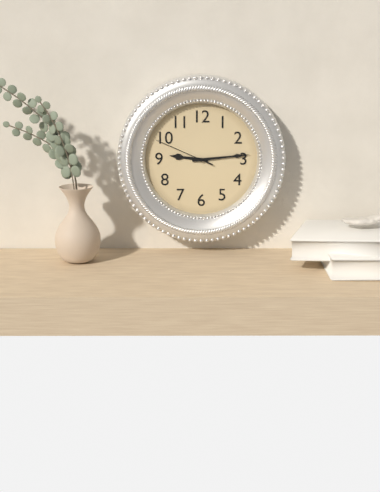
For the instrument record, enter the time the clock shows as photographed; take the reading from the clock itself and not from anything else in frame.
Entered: 9:14:49
